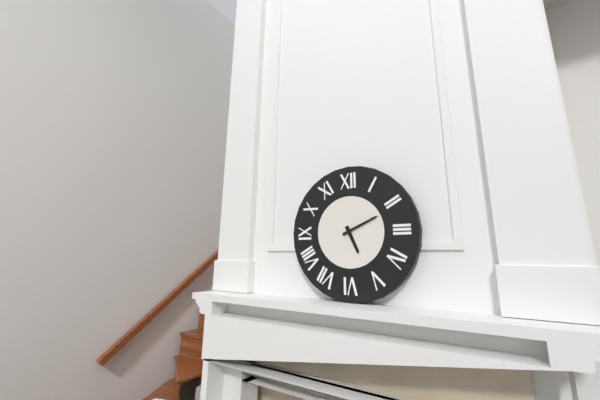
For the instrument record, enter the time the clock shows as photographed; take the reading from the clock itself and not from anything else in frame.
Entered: 5:11
